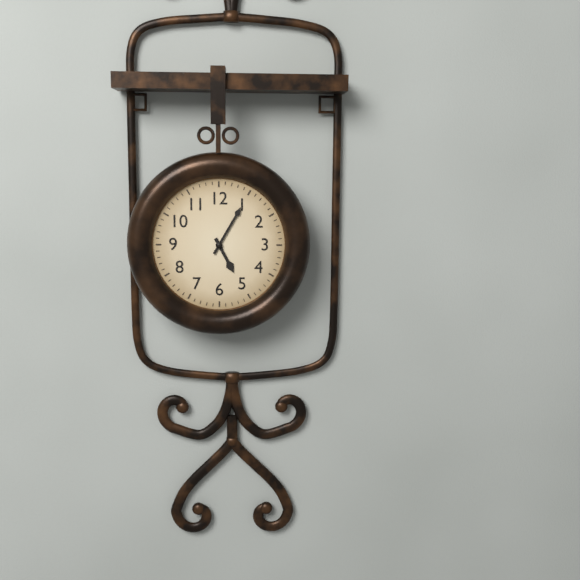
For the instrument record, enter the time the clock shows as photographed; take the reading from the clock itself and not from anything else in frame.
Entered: 5:05
